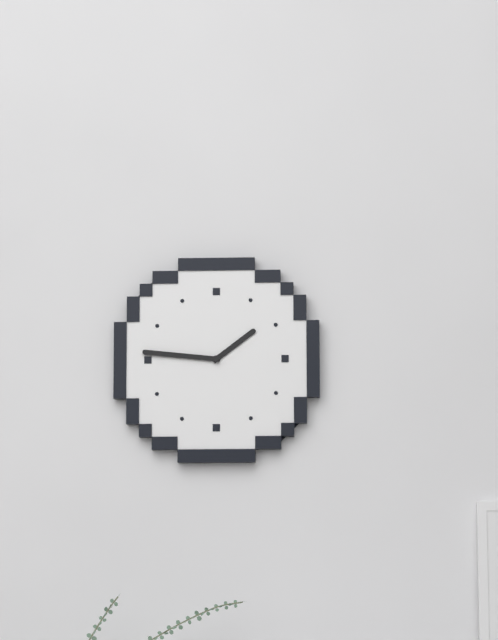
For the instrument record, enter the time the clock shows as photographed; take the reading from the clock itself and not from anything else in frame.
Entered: 1:46
